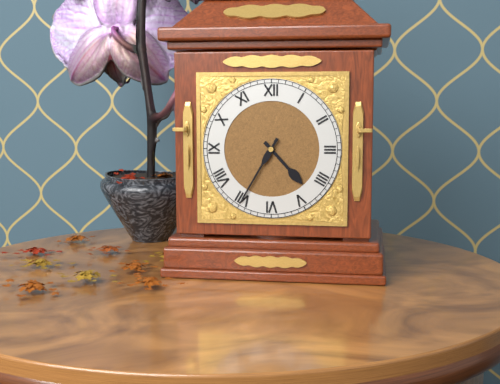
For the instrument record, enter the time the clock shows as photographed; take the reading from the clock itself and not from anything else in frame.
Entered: 4:35
